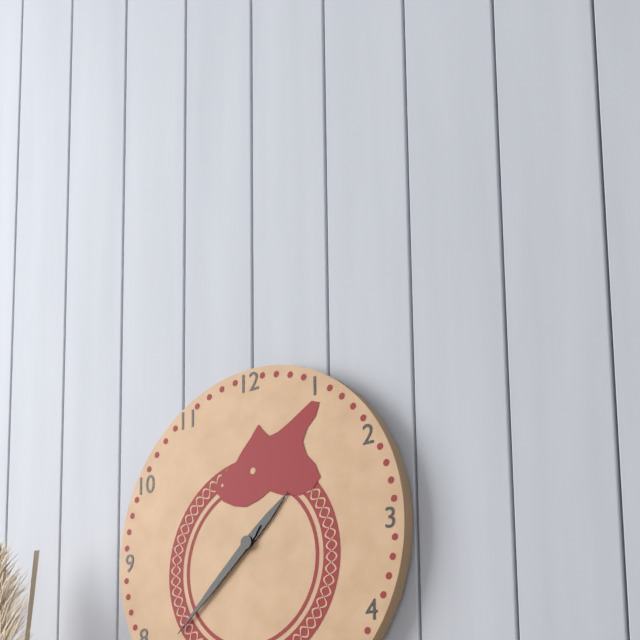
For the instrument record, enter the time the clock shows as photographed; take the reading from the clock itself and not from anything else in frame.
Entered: 1:38
